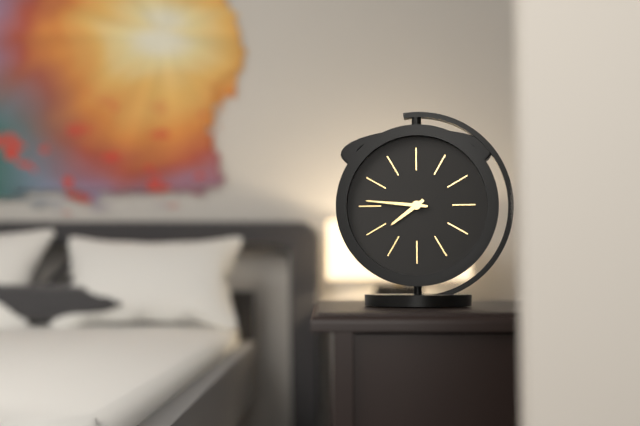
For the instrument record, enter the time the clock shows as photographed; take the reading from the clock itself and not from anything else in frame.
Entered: 7:46
